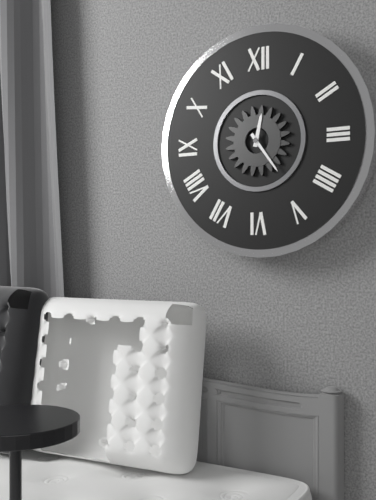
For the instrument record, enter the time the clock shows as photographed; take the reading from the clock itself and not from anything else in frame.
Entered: 12:24
